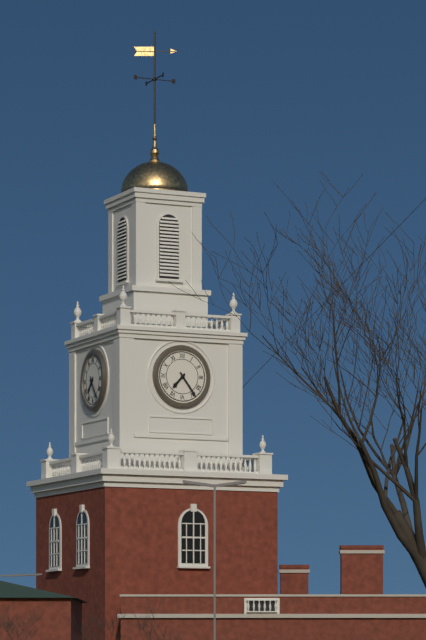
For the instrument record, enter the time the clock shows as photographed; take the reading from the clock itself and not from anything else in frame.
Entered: 7:24
